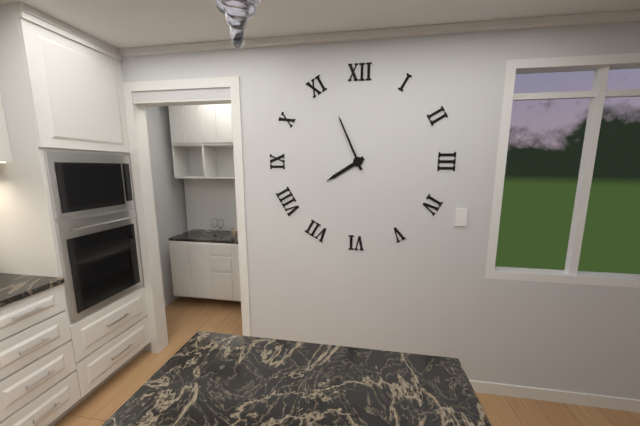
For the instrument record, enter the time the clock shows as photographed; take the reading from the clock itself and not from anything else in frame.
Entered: 7:56
